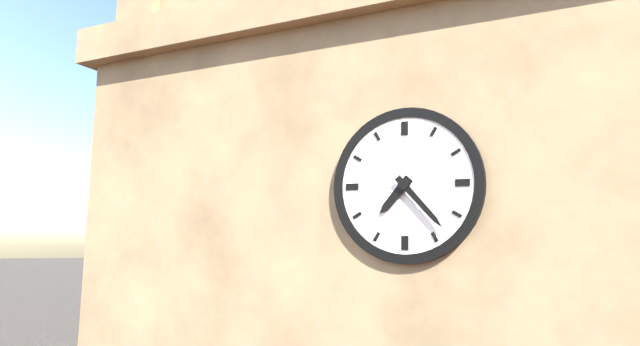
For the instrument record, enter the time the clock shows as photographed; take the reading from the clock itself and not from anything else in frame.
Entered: 7:23
